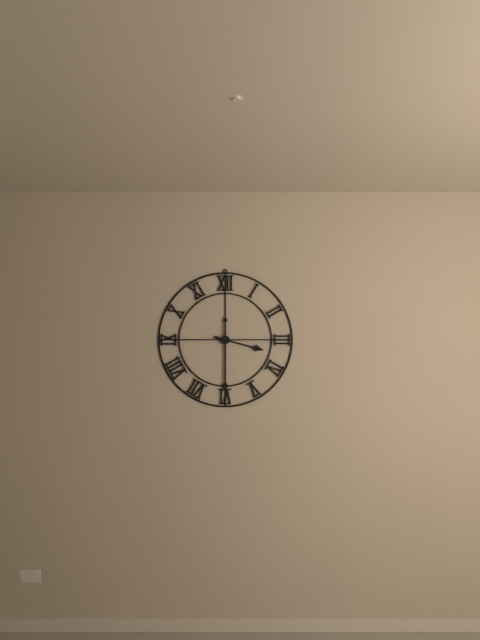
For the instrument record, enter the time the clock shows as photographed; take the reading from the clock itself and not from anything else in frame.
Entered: 3:30
